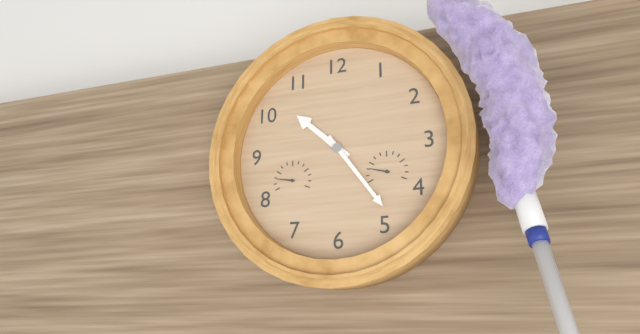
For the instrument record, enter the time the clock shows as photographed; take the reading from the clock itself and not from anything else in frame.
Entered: 10:24
